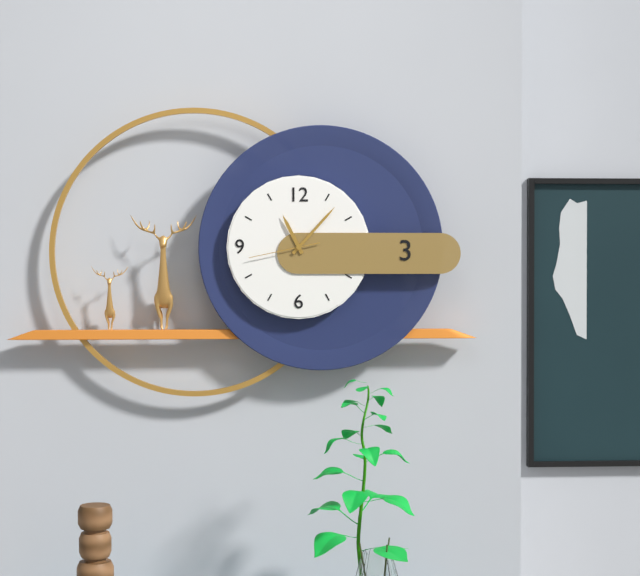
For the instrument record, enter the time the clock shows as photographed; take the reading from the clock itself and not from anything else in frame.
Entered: 11:07:43
